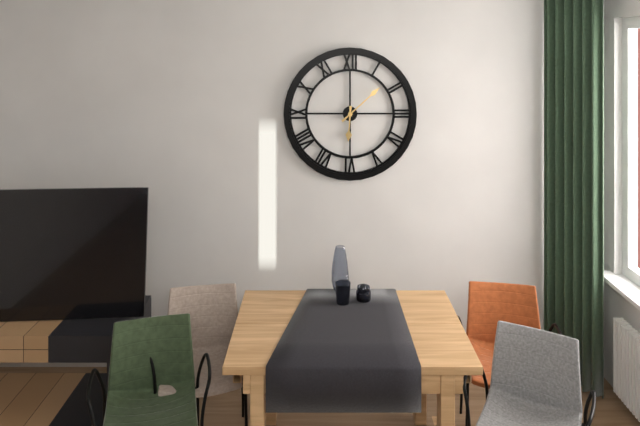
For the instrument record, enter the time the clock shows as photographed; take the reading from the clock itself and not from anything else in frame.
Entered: 6:08
